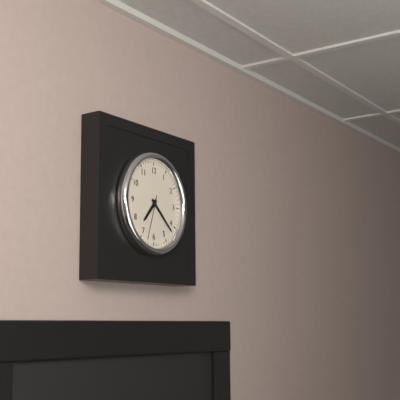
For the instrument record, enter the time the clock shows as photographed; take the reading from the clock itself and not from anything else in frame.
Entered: 7:22
